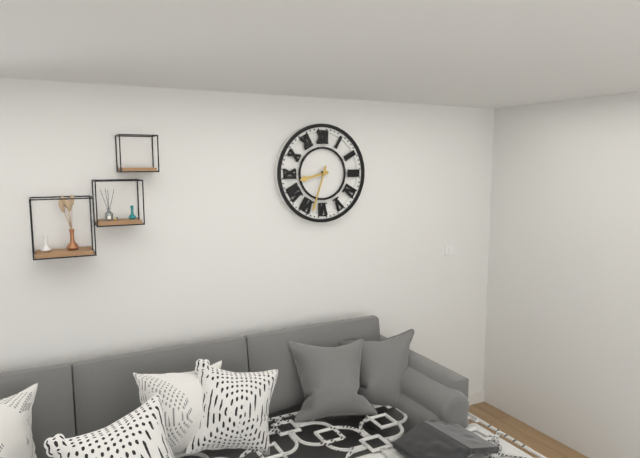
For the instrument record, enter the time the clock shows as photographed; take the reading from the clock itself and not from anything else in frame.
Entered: 8:33
